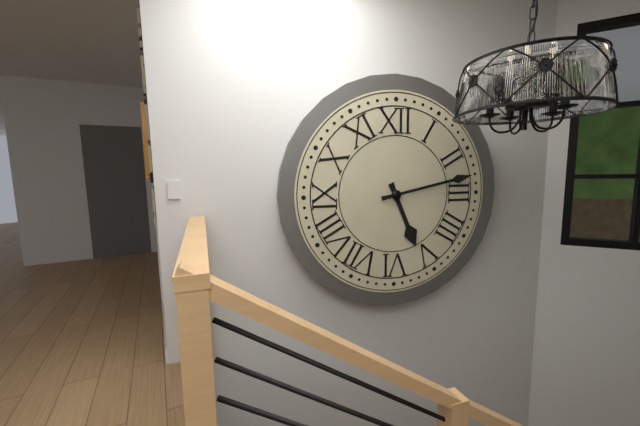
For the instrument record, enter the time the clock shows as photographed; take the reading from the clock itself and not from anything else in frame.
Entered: 5:13
